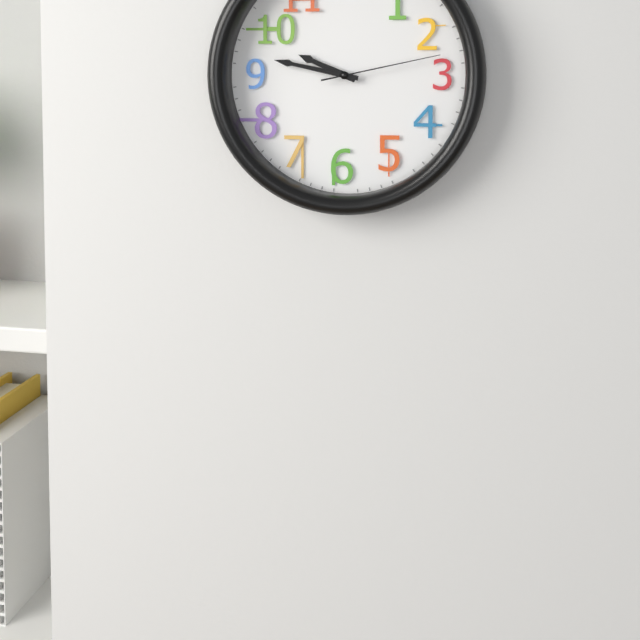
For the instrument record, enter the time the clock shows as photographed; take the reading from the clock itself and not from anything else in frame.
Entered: 9:47:13
